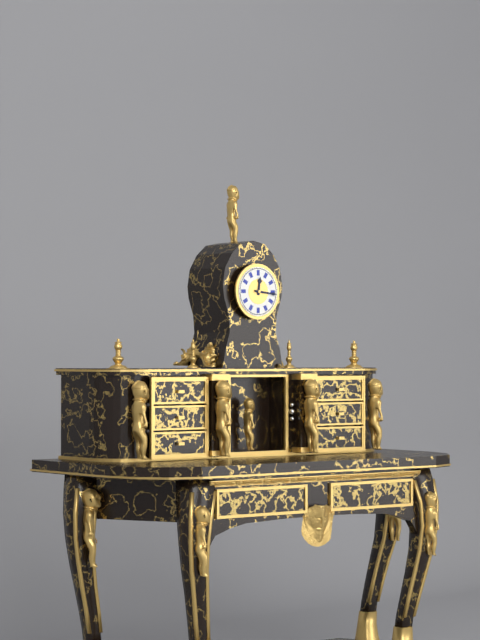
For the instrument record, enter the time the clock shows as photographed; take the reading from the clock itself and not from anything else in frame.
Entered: 12:16
